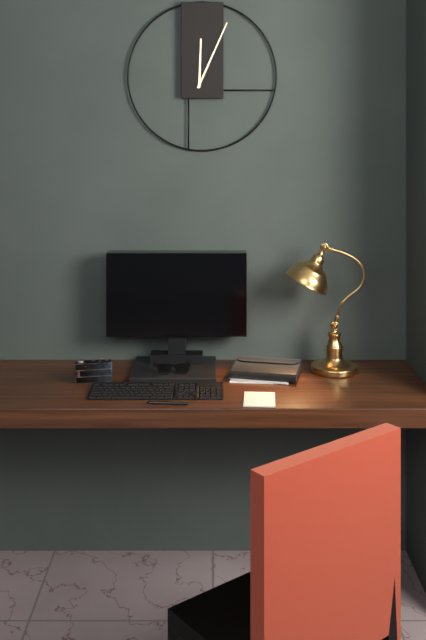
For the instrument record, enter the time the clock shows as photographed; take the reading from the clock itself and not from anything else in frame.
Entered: 12:04
